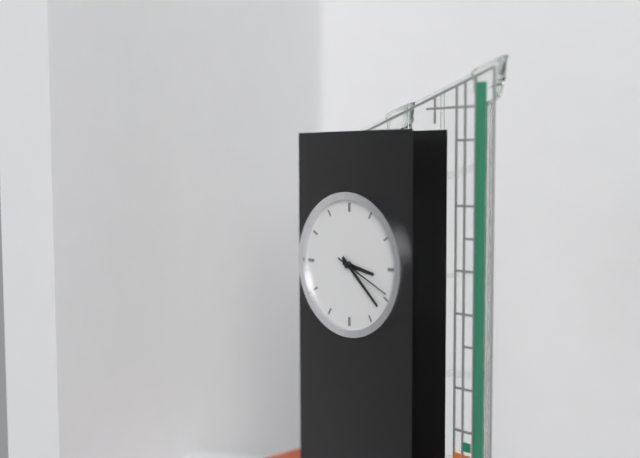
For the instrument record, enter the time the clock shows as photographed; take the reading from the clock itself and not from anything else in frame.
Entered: 3:22:19
